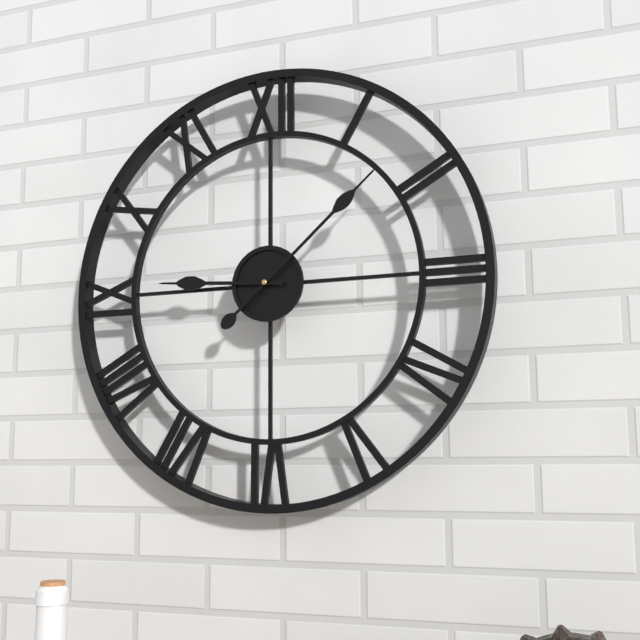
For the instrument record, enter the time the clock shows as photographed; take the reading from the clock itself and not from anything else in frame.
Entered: 9:08
